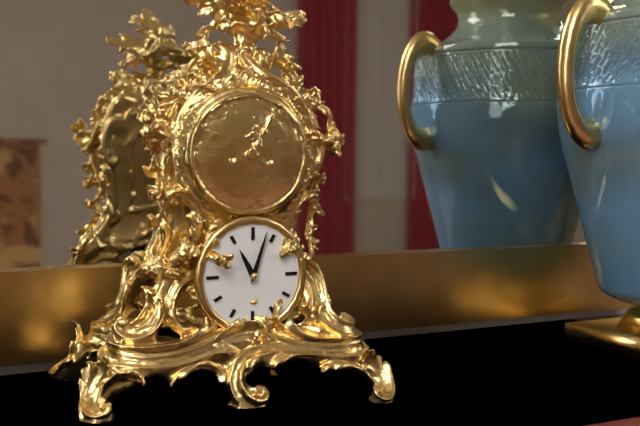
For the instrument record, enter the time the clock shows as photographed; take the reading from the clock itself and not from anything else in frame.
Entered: 11:03
